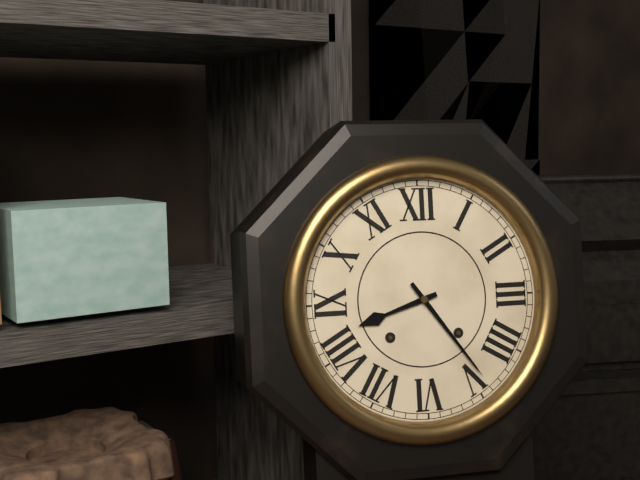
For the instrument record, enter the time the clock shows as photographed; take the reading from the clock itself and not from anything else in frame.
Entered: 8:24
